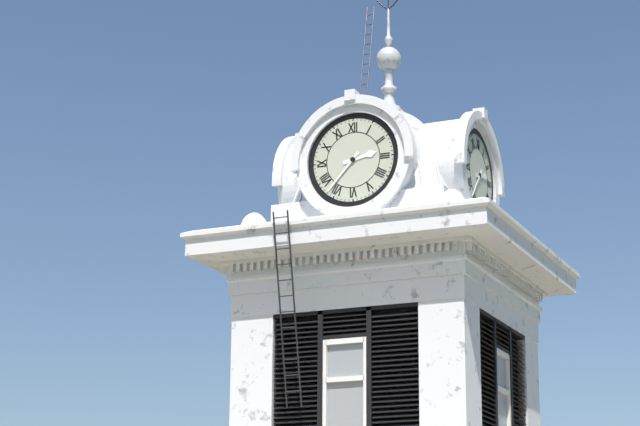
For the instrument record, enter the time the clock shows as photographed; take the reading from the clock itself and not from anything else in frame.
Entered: 2:37
